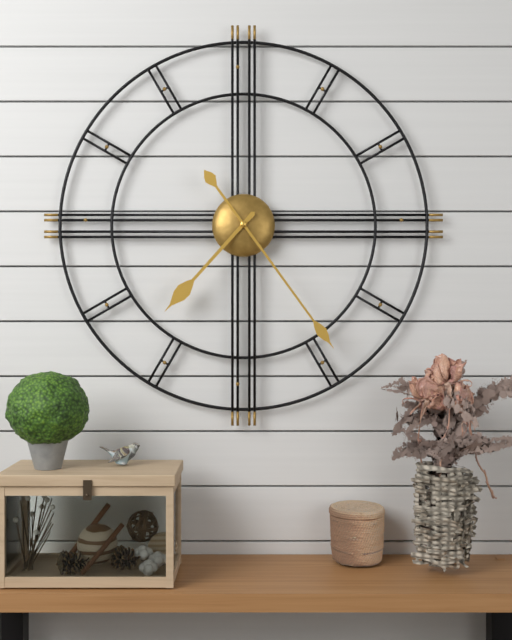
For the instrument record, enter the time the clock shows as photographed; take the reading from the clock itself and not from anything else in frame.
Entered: 7:24
